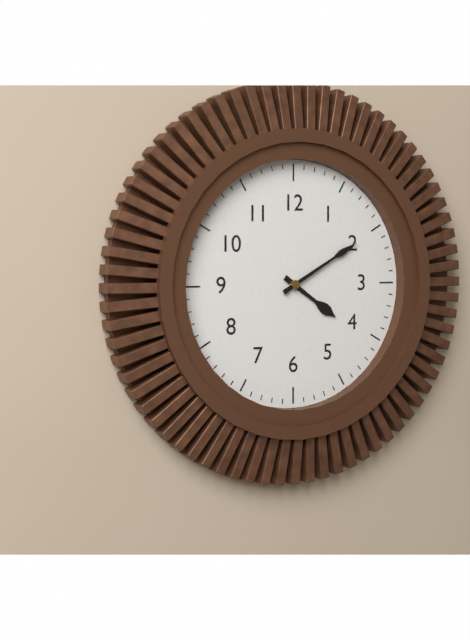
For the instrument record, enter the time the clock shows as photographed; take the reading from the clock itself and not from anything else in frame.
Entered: 4:10
